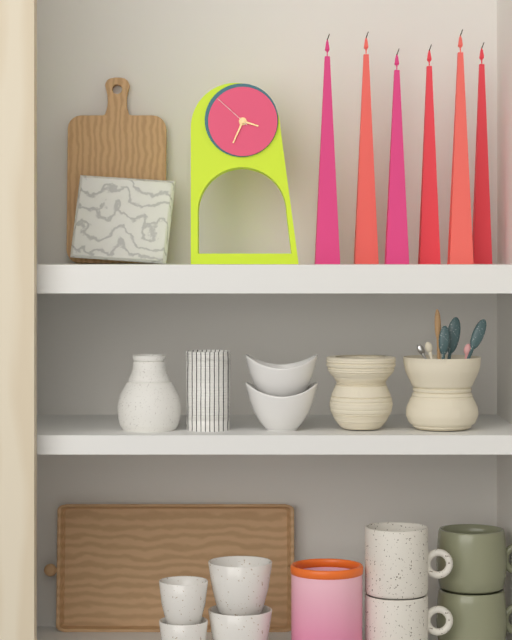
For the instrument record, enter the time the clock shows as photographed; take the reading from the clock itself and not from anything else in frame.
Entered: 3:34
